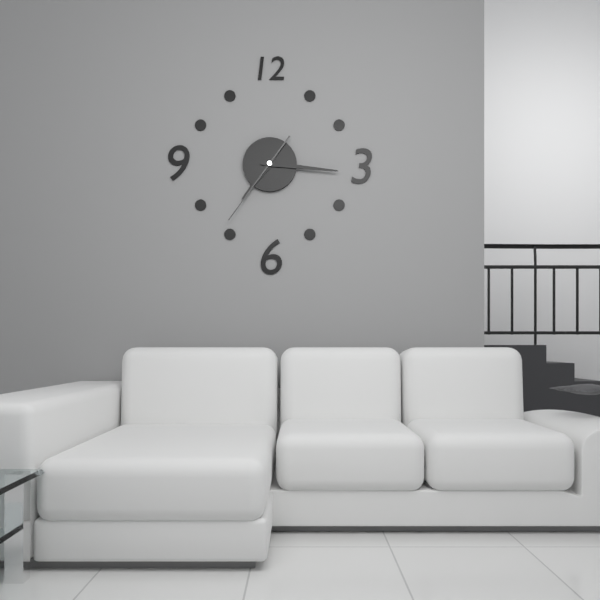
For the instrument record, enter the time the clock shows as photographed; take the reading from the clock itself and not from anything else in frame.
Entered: 7:16:36
